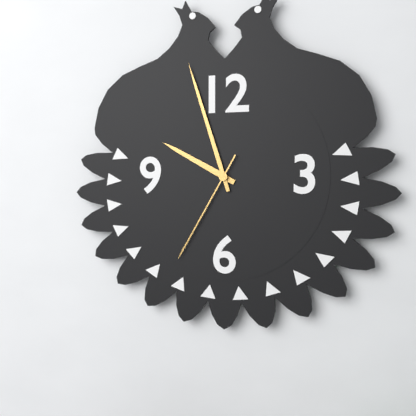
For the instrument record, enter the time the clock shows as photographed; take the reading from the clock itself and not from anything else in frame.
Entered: 9:57:35
